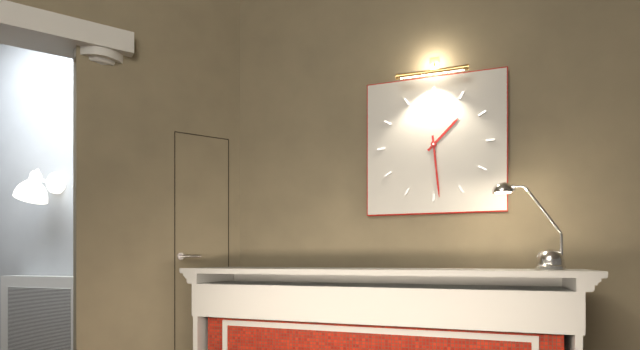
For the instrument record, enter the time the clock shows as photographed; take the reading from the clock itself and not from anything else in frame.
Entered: 1:29
